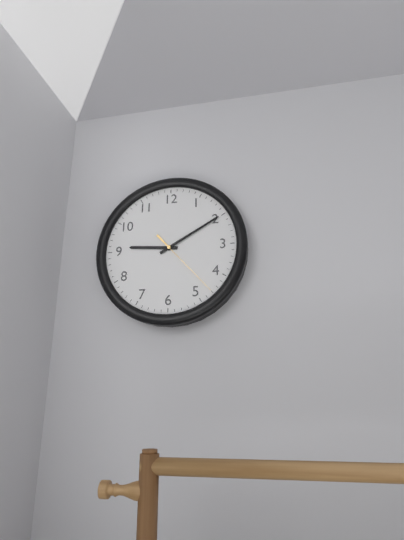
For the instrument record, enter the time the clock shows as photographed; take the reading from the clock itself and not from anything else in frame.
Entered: 9:10:23
